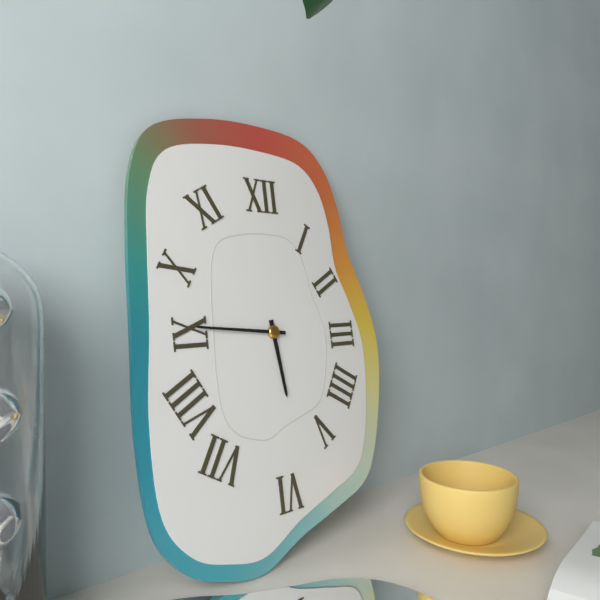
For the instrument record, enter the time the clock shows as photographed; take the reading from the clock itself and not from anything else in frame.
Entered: 5:46
